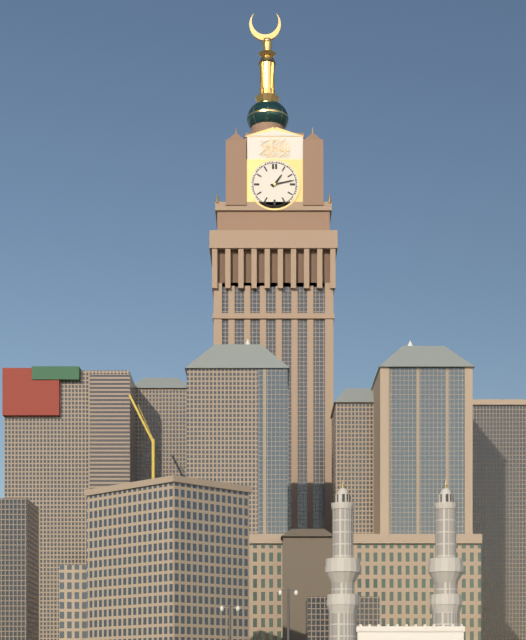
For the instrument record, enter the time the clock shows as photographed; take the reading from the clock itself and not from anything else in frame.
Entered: 1:13
